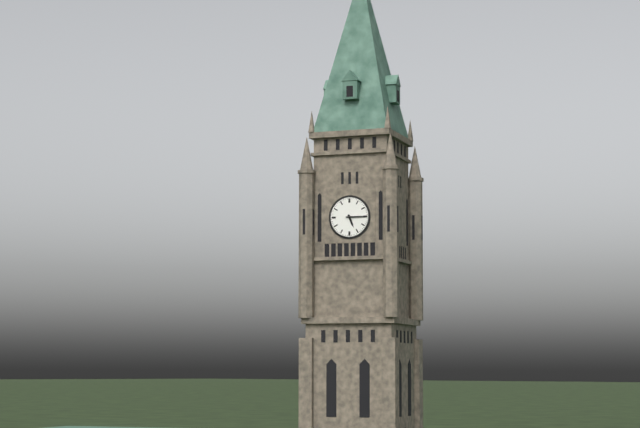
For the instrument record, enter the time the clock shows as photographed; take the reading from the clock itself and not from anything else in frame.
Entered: 5:15
